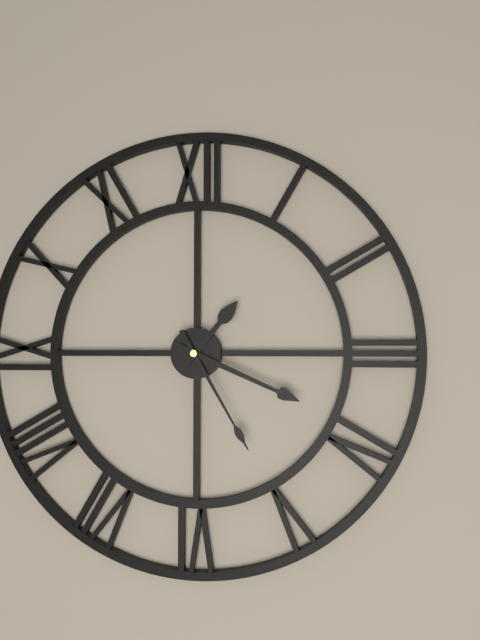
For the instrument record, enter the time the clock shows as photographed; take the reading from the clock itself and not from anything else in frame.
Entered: 1:19:25
